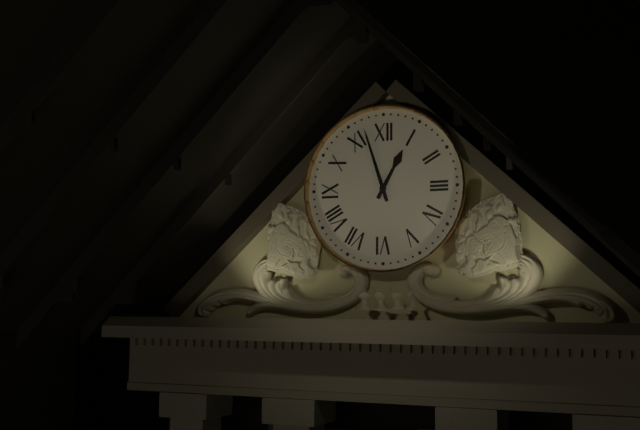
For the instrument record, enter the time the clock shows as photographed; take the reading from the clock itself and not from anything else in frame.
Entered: 12:57
